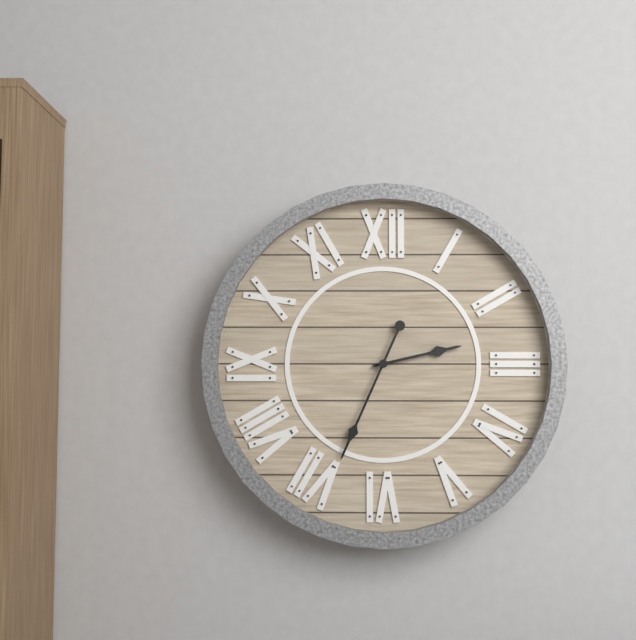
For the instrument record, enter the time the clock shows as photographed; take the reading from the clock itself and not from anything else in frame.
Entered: 2:34
